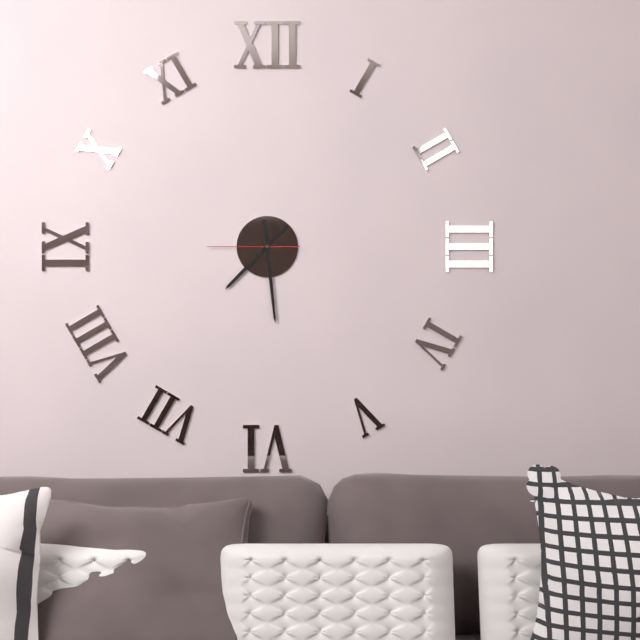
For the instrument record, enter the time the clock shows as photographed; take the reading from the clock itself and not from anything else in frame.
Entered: 7:29:45
